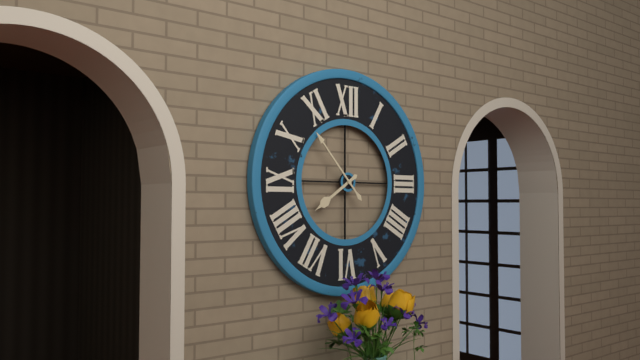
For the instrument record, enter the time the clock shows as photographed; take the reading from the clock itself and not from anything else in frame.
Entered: 7:53
